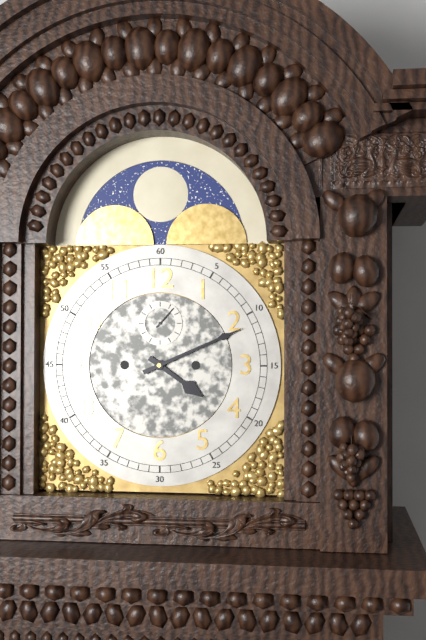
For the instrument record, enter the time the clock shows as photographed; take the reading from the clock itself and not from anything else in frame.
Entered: 4:11
